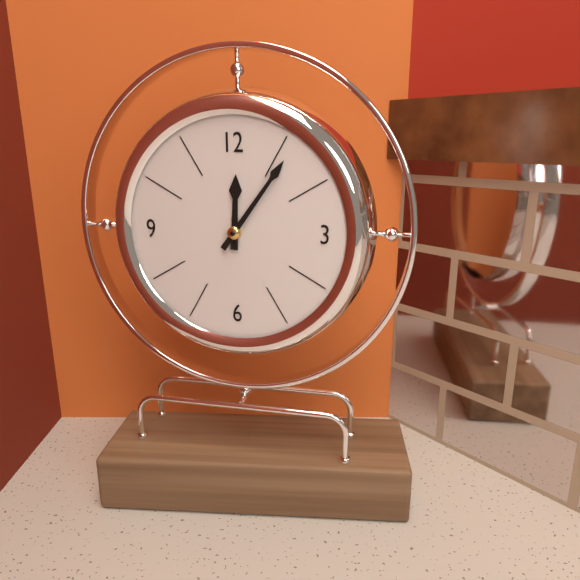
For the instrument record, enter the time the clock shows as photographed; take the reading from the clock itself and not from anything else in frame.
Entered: 12:06
